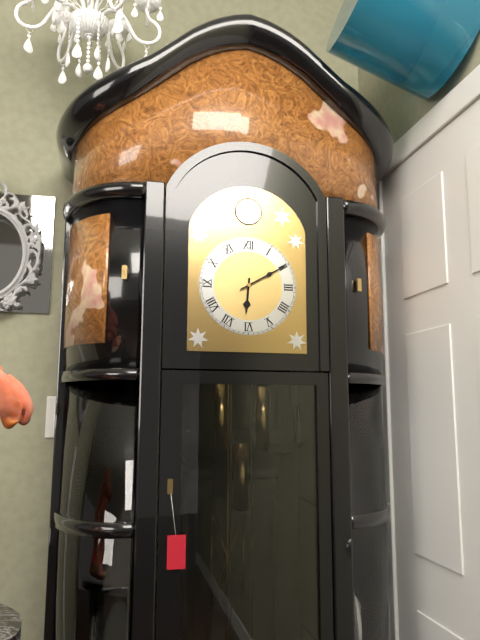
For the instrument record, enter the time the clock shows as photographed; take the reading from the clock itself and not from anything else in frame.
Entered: 6:10
